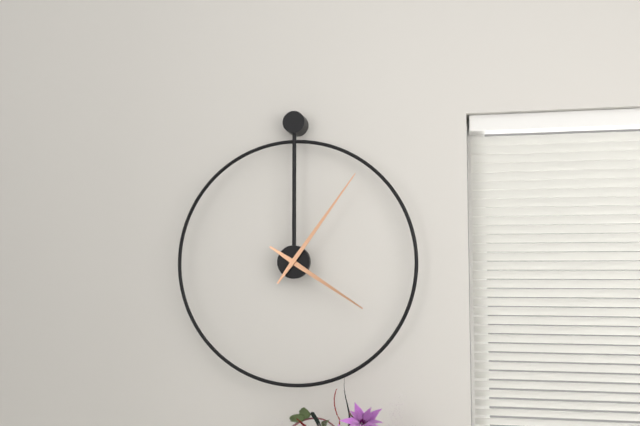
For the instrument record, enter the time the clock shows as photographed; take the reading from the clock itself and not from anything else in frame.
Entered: 4:06
